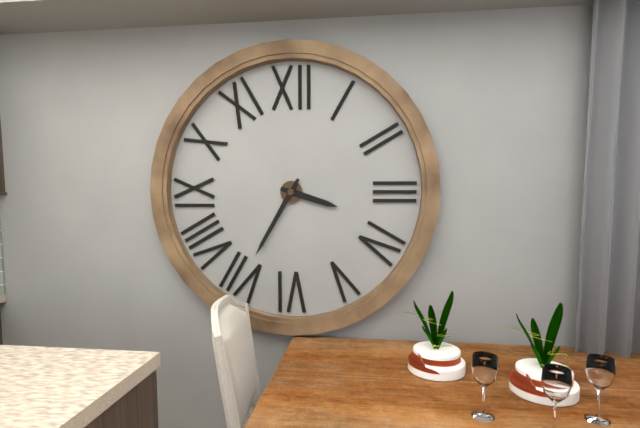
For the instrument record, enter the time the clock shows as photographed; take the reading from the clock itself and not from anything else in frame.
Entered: 3:35
